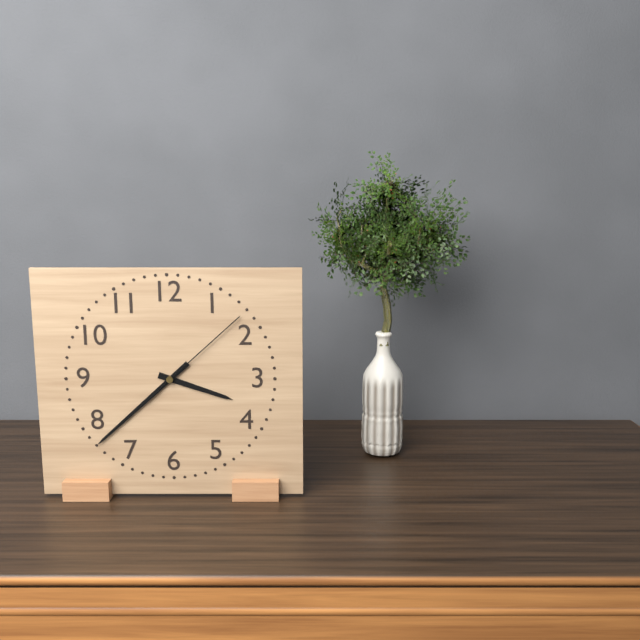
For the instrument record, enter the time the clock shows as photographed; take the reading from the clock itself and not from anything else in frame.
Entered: 3:38:08
